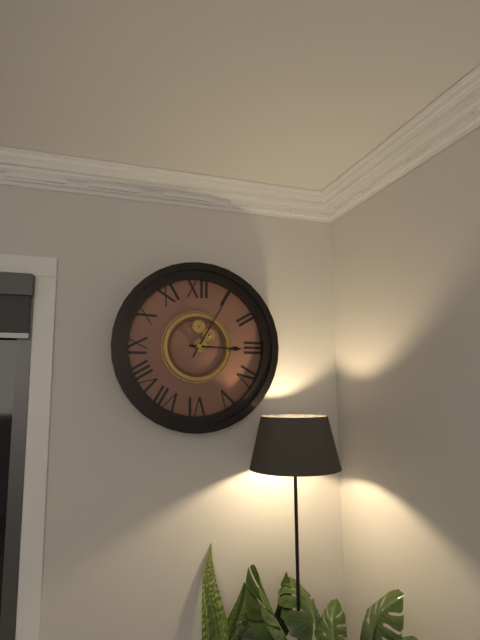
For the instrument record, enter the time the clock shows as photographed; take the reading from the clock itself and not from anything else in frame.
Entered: 3:05
